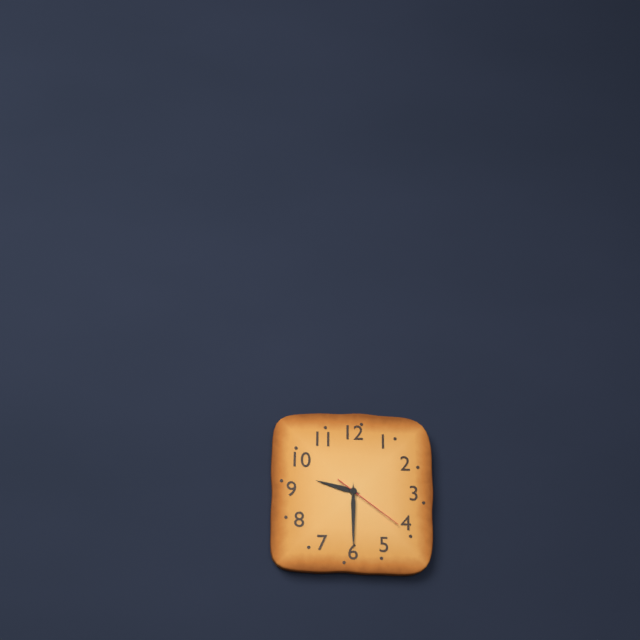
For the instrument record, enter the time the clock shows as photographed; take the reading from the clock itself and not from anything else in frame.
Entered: 9:30:21
